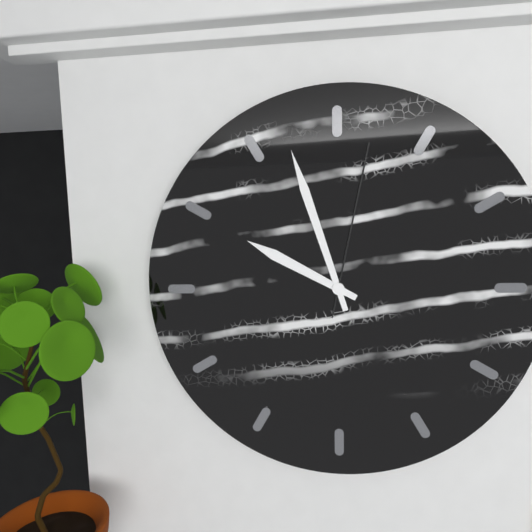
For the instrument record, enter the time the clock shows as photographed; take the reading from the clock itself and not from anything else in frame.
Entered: 9:57:02
